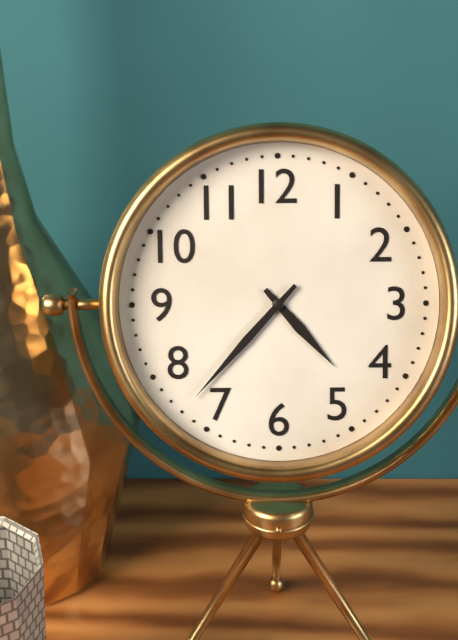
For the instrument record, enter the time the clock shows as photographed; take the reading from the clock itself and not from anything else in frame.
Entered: 4:37
